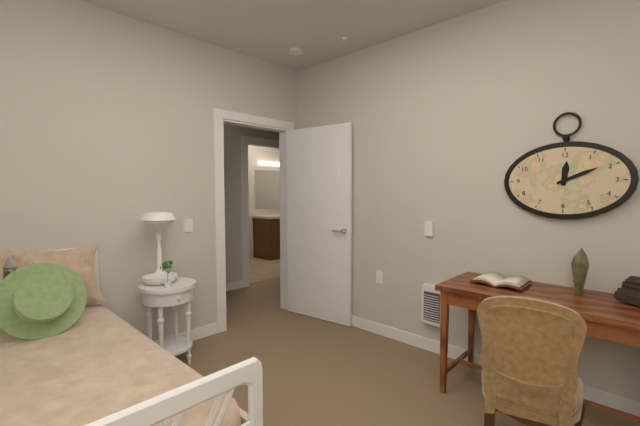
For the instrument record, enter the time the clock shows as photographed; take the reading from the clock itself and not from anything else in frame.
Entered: 12:11
